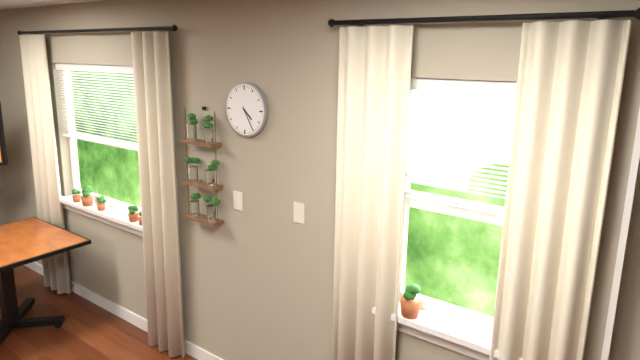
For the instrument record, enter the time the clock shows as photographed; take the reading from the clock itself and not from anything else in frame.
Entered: 4:25
